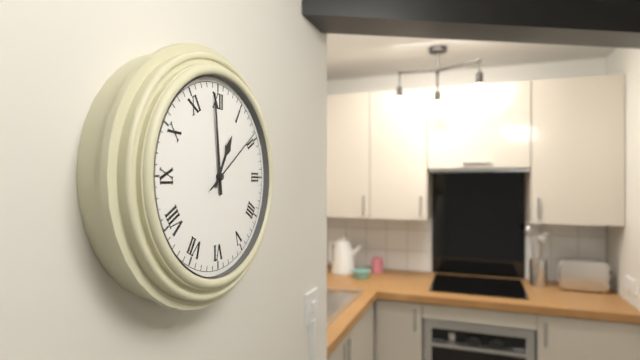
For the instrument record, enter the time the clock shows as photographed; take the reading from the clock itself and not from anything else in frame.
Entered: 12:59:09
